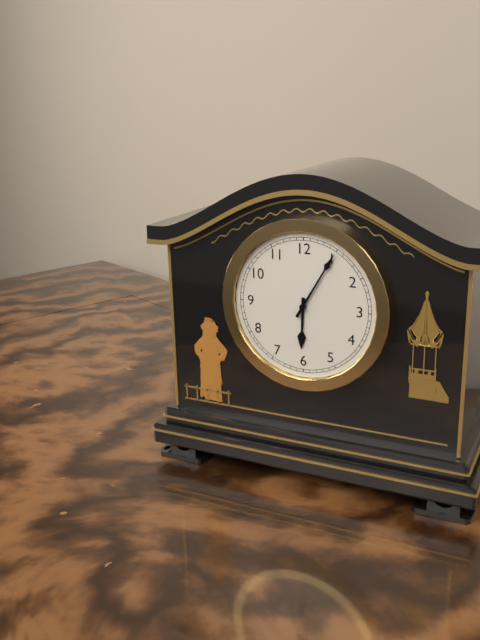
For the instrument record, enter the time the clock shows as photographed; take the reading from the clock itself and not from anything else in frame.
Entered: 6:05
